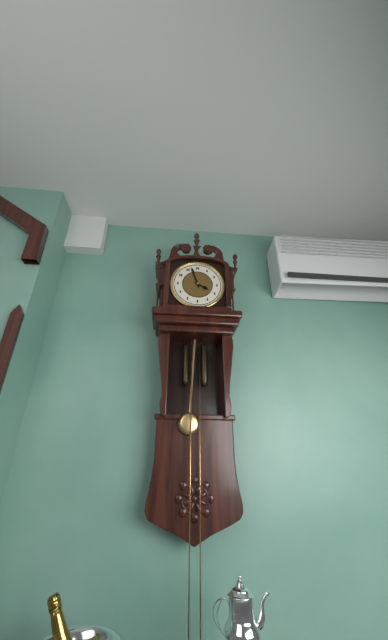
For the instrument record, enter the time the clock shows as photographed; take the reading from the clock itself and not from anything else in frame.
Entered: 3:57
